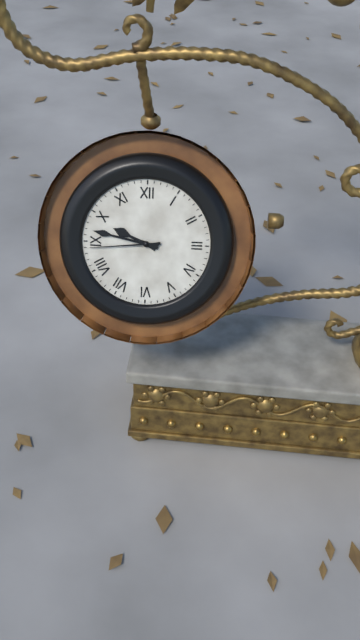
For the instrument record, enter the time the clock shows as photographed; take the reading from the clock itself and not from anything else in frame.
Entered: 9:47:44
